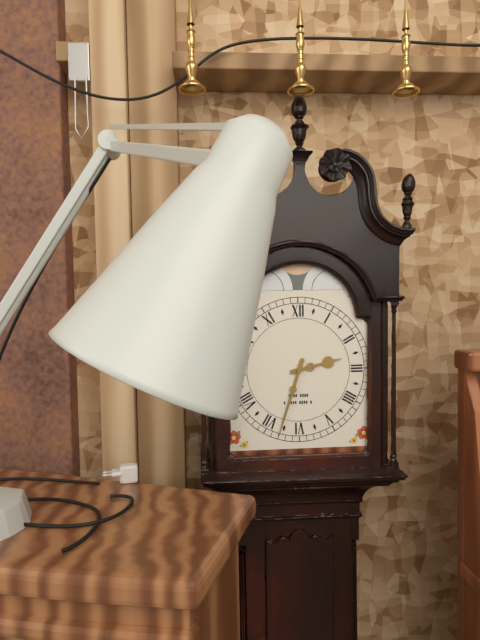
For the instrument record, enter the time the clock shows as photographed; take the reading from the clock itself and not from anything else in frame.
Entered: 2:33
